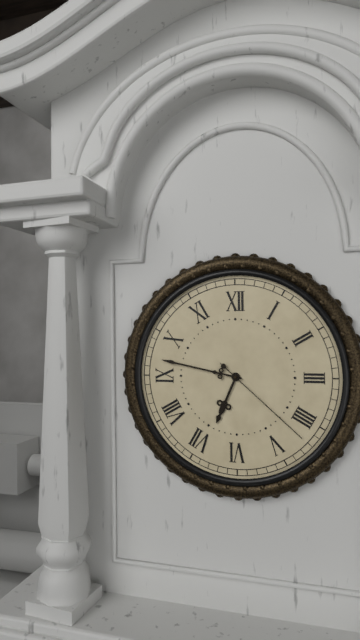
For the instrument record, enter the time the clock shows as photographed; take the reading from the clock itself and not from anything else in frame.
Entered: 6:47:22
